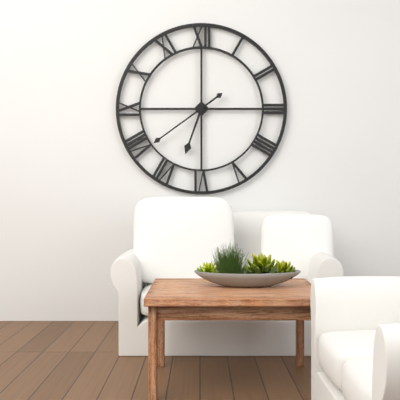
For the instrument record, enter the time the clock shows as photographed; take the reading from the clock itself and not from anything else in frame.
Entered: 6:39
